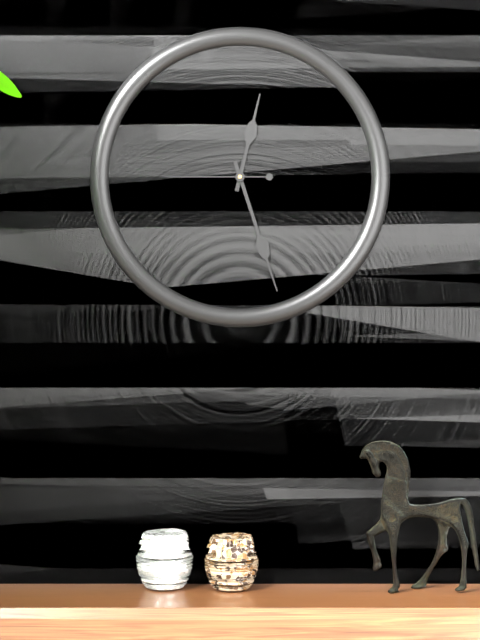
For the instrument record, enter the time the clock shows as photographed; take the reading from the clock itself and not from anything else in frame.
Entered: 12:27:45
